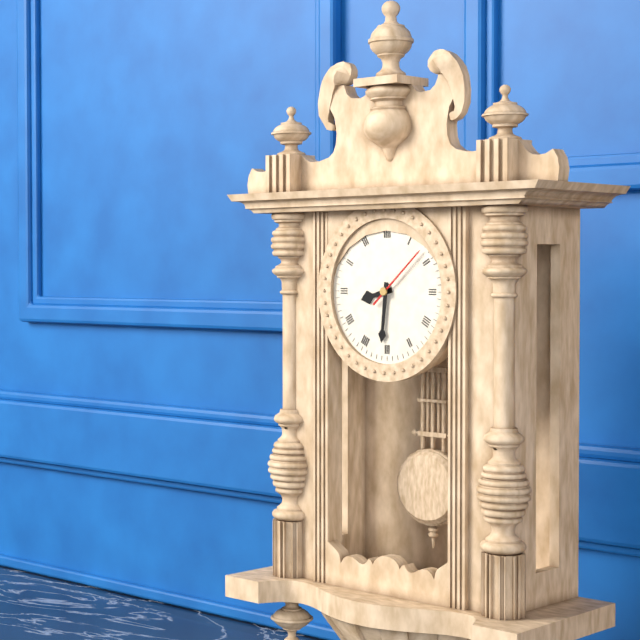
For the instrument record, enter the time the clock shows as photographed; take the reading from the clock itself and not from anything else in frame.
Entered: 8:31:08
